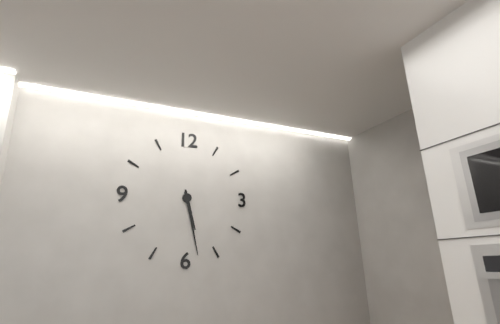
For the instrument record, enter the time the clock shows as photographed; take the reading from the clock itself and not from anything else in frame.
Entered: 5:28
